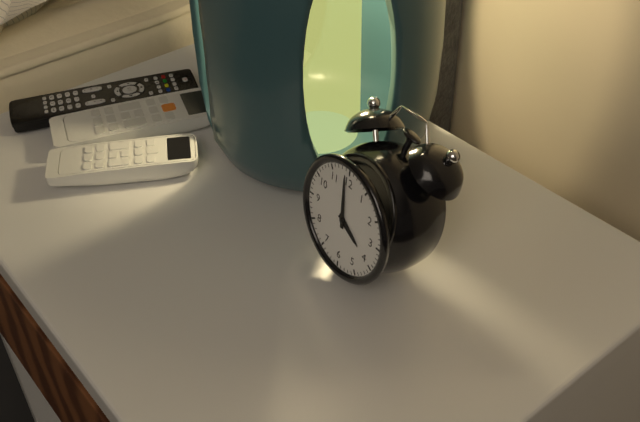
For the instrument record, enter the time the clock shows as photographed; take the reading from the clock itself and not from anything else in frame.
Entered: 3:59
